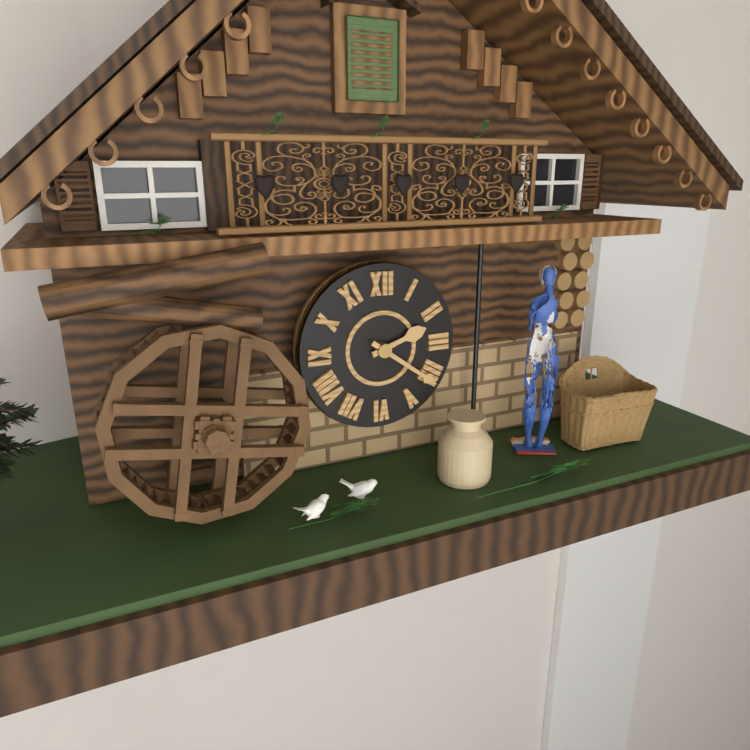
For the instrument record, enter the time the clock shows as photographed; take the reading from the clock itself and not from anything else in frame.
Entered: 2:21
